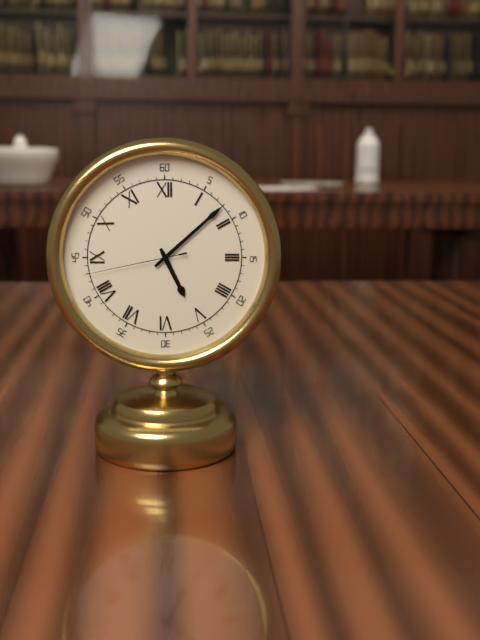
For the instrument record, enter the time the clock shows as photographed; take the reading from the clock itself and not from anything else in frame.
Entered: 5:08:43
